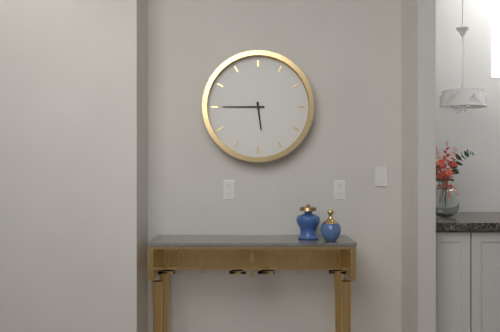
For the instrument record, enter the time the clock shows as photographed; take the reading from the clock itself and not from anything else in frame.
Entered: 5:45
